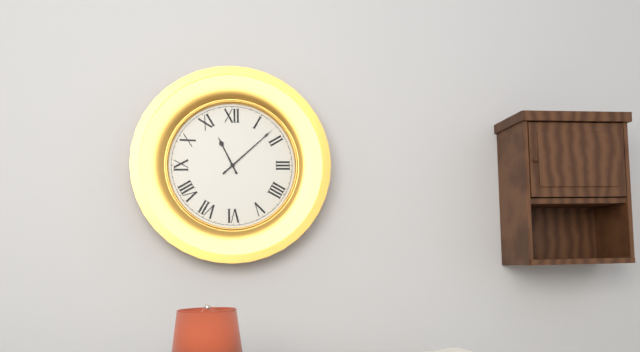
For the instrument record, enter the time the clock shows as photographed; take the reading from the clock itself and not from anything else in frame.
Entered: 11:08
